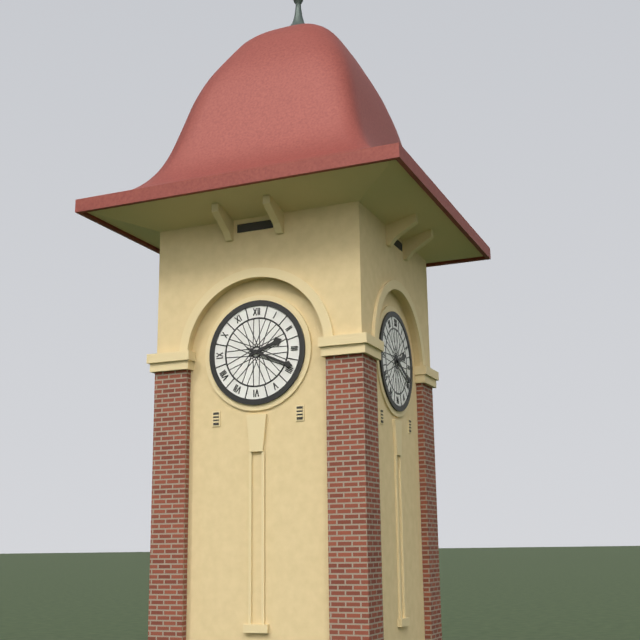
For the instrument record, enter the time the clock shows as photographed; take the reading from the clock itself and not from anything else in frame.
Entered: 2:19
